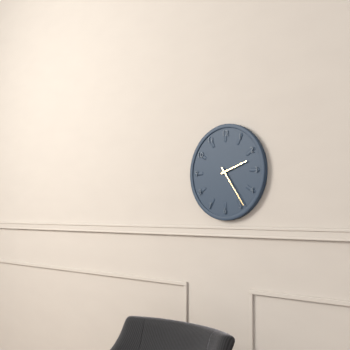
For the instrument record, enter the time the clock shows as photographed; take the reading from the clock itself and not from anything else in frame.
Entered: 2:24
